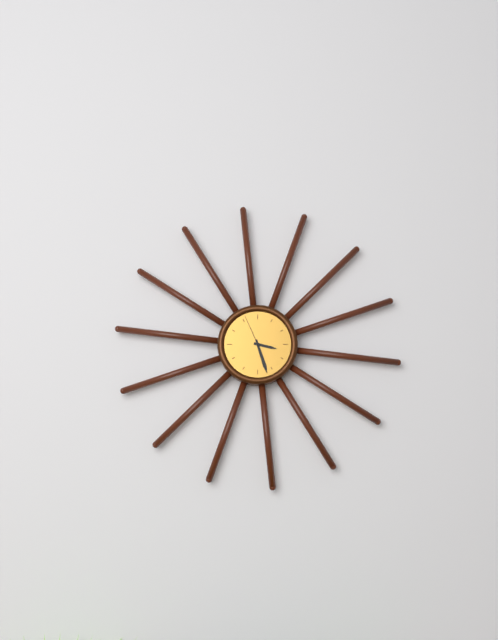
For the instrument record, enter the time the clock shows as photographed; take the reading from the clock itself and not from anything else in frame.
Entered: 3:27
